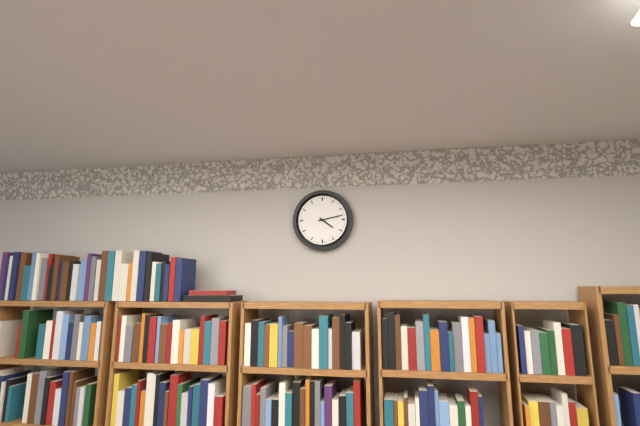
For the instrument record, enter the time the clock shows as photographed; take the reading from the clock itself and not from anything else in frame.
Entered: 4:13
